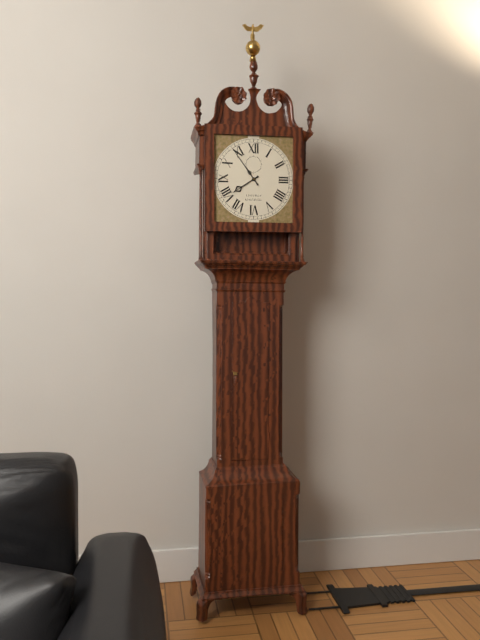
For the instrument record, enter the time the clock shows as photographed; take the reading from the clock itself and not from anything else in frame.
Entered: 7:54
